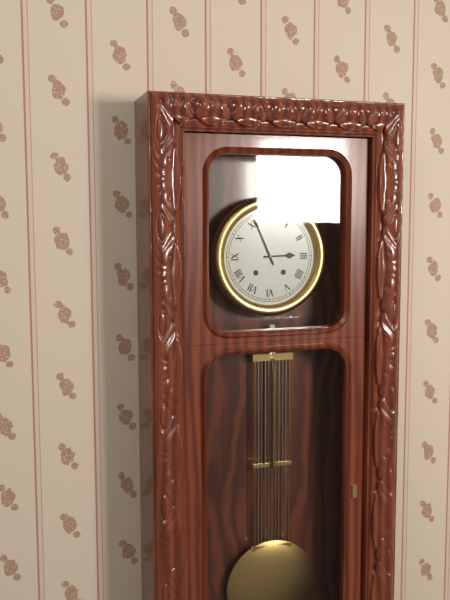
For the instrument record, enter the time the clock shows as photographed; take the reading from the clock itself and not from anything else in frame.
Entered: 2:56
